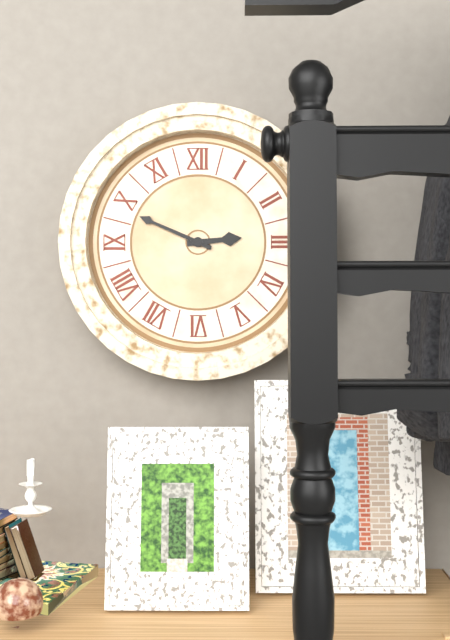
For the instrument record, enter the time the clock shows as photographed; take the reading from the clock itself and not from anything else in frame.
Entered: 2:49
